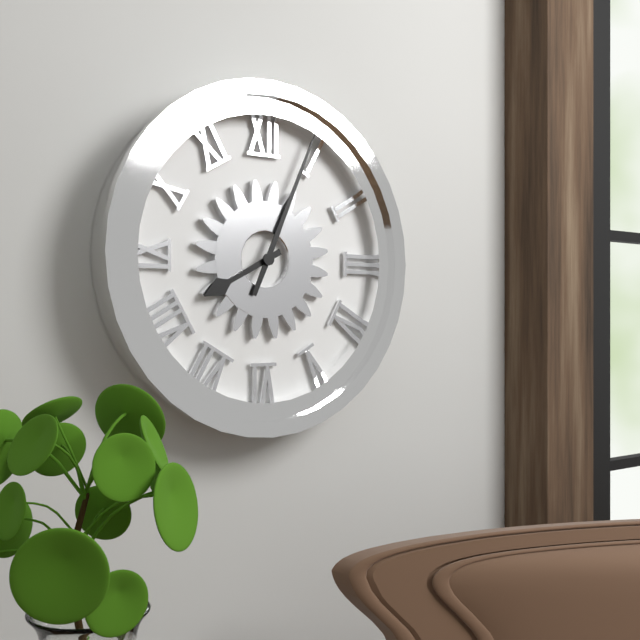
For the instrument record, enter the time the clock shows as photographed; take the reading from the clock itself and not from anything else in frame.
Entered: 8:04
